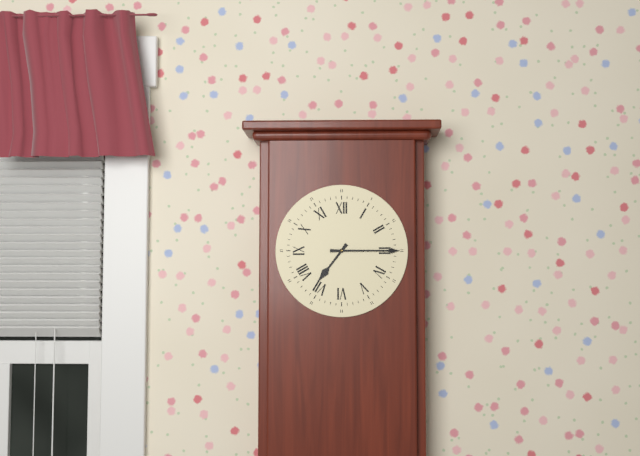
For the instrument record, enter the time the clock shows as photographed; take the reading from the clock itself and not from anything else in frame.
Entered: 7:15
